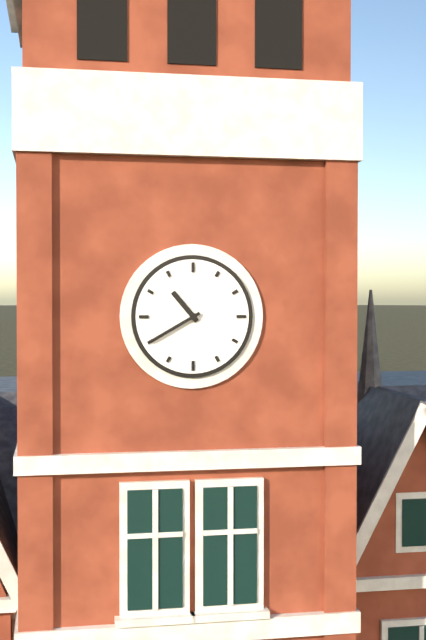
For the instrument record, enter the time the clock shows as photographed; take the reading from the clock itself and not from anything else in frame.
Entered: 10:40
